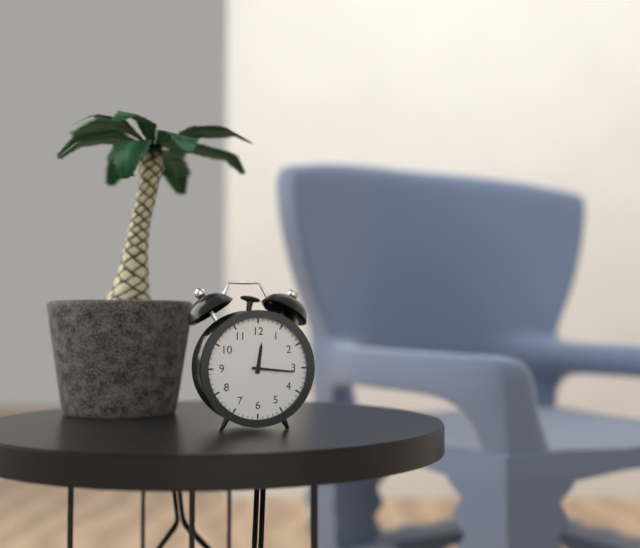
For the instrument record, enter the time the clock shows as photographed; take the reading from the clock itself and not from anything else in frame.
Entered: 12:16
